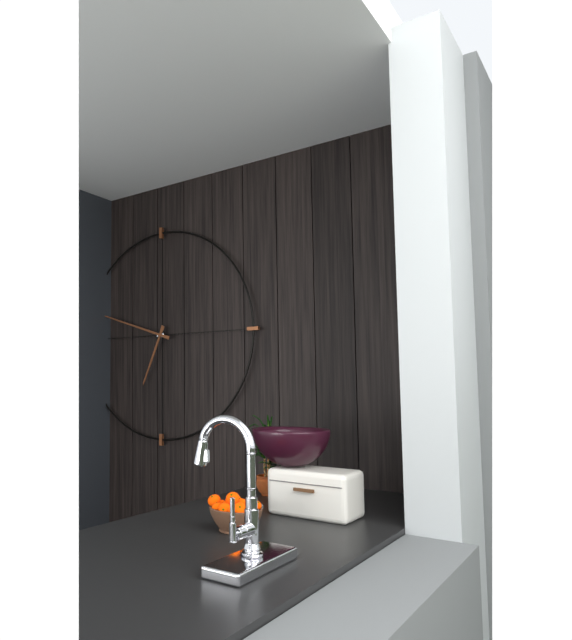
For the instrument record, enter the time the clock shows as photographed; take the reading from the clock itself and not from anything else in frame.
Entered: 6:48
